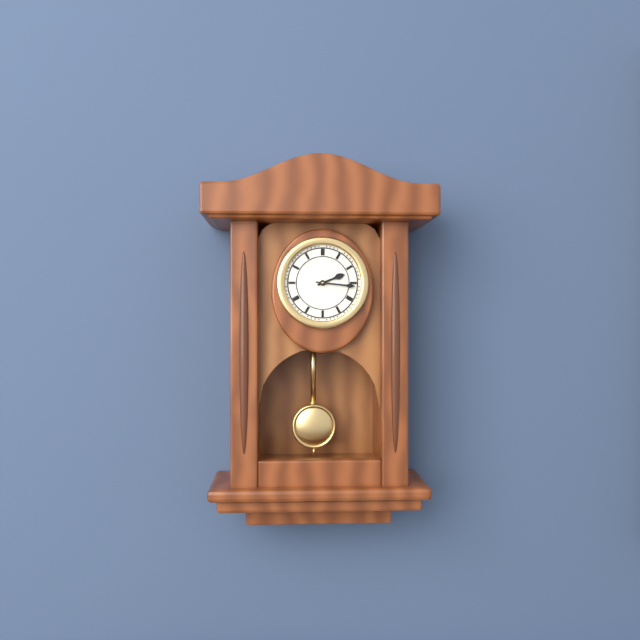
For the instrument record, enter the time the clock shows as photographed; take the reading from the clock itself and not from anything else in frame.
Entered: 2:16
